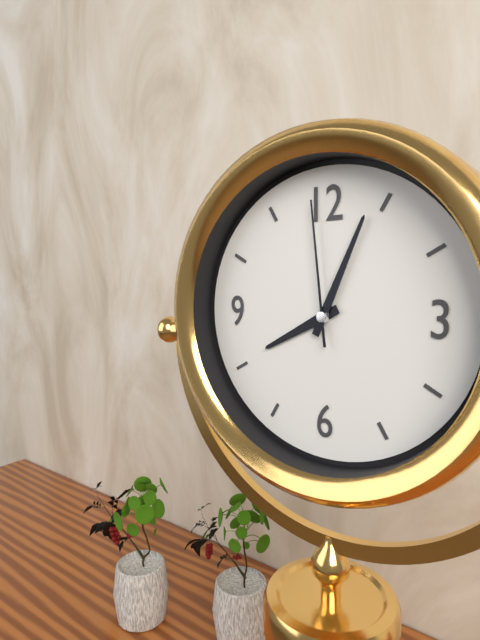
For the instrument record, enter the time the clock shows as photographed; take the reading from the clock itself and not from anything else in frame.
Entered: 8:04:59
